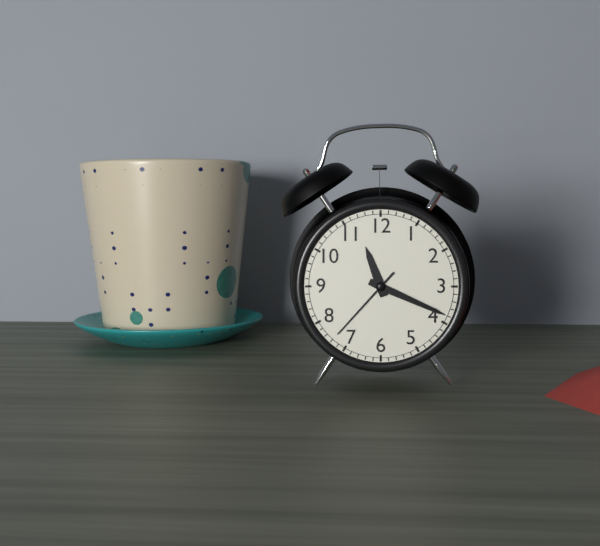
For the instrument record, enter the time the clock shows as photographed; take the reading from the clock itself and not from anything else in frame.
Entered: 11:19:37
